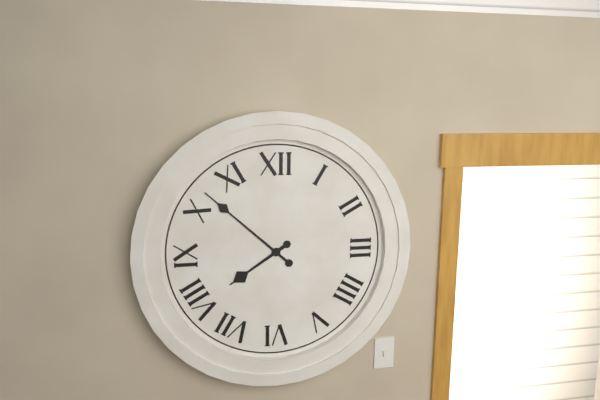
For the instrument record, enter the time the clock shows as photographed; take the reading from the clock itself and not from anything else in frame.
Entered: 7:52
